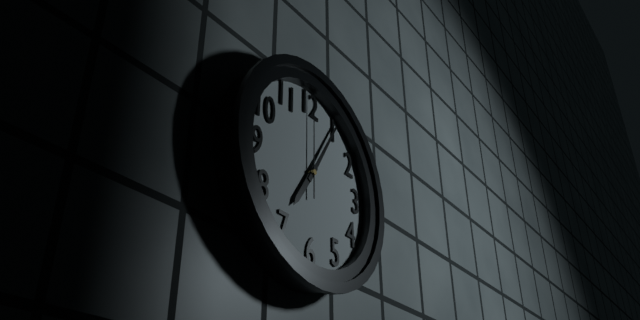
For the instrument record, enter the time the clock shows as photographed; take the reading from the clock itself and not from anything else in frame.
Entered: 7:05:00
